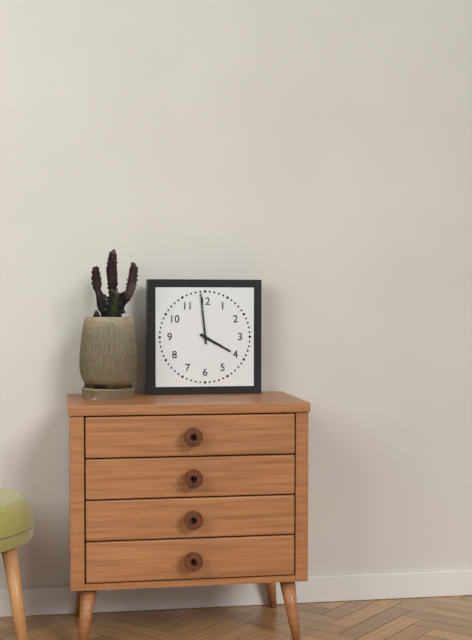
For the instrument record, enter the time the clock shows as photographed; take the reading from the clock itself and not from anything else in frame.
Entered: 3:59
